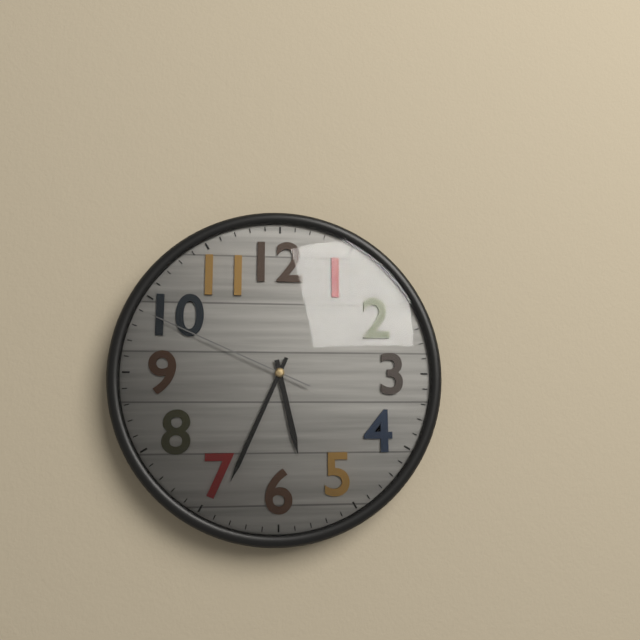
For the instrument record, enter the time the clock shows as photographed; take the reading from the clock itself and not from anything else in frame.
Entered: 5:34:49
